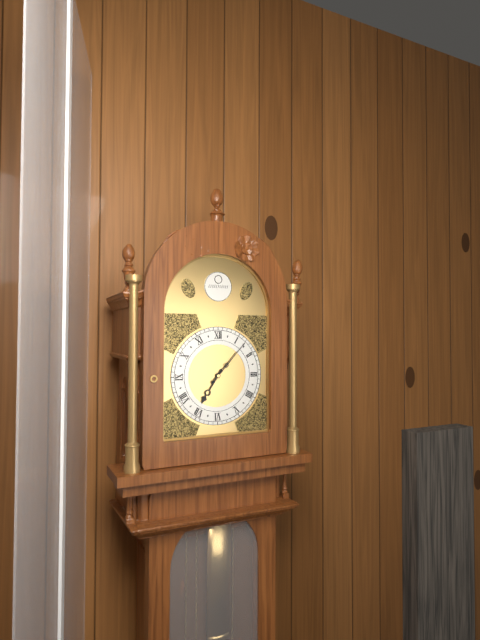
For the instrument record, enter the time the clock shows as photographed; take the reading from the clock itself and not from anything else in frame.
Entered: 7:07
